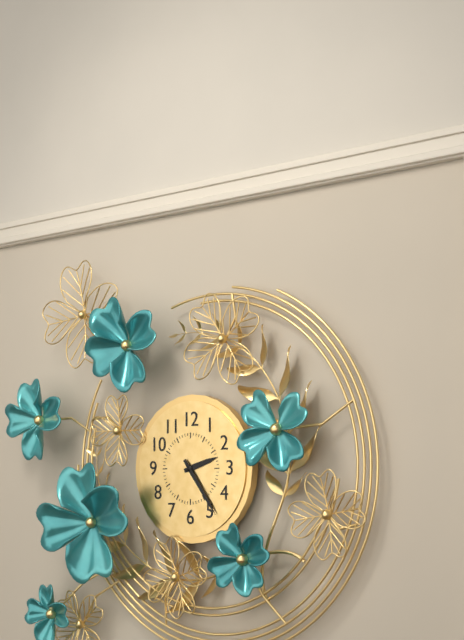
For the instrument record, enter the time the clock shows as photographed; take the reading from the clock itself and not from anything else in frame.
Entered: 2:24
